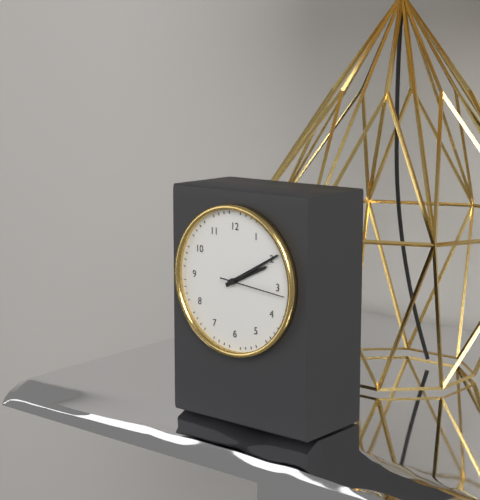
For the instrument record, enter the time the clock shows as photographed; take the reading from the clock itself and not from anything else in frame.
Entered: 2:10:16
